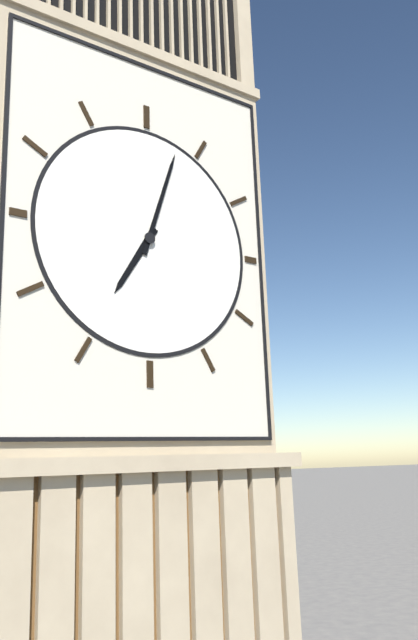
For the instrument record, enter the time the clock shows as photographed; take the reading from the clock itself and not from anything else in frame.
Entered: 7:03
